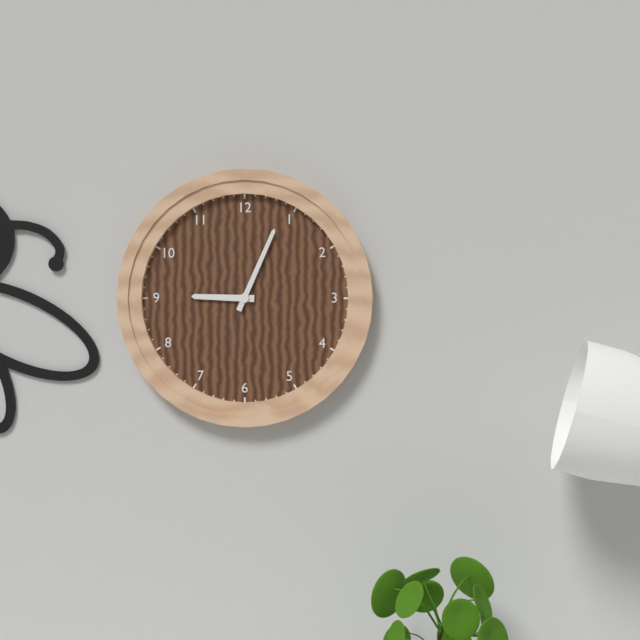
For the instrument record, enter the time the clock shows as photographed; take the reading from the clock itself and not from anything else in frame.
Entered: 9:04
